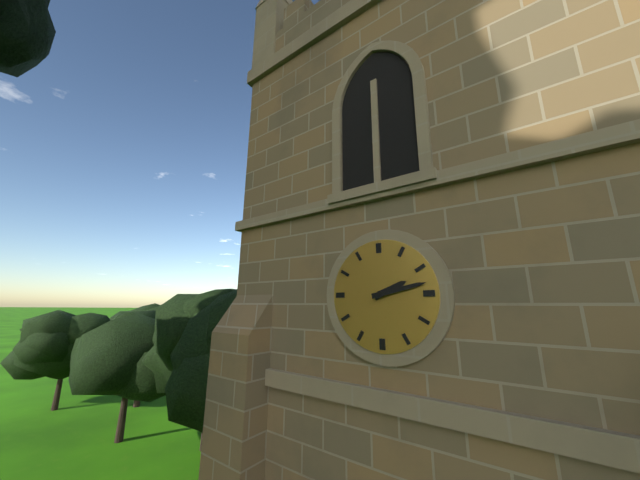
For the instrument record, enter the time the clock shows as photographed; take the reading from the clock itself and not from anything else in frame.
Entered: 2:13
